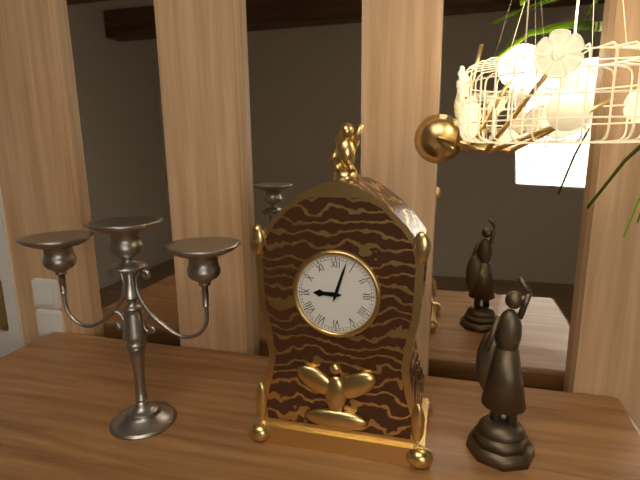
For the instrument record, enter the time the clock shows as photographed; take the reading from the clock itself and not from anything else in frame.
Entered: 9:03
